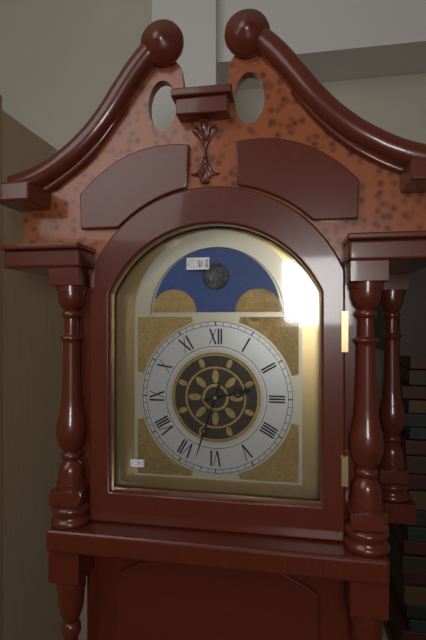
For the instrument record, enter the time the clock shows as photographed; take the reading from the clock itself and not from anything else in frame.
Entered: 2:33
